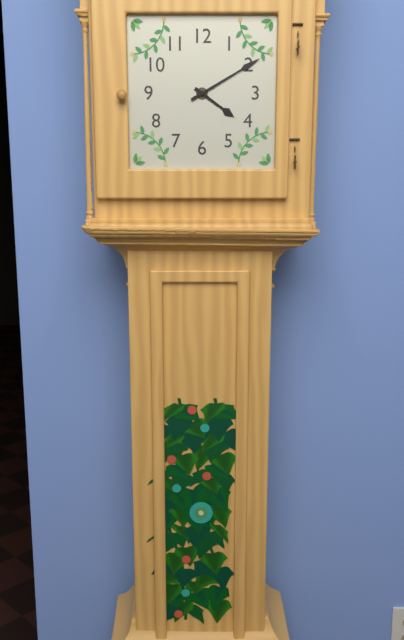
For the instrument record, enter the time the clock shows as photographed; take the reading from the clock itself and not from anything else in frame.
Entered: 4:10
